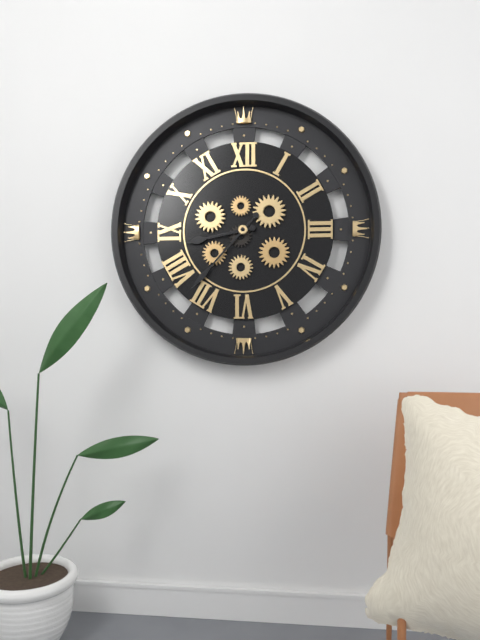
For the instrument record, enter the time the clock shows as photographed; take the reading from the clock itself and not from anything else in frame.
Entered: 8:37
